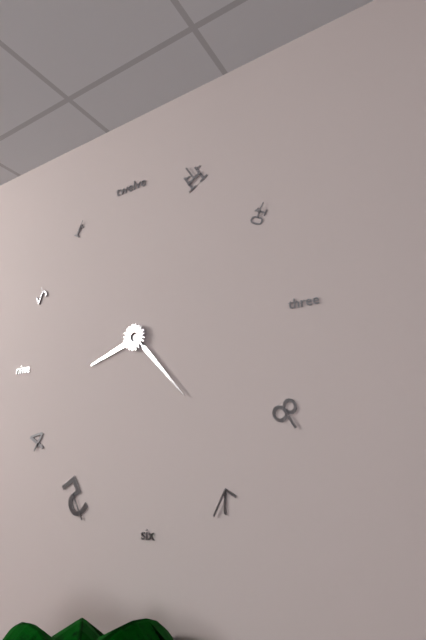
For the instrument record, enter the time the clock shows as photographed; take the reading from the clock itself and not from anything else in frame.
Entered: 8:23
